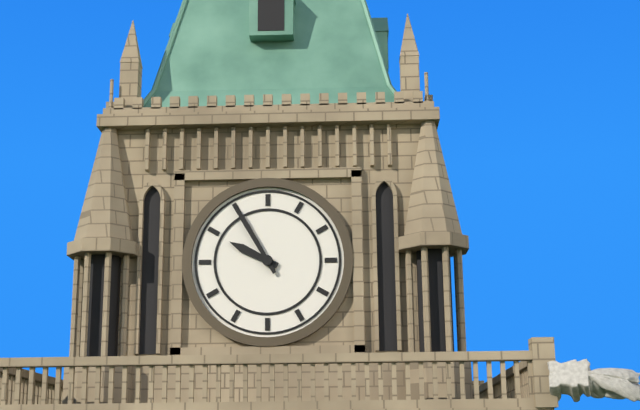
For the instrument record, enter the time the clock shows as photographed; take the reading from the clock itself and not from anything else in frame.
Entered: 9:55
